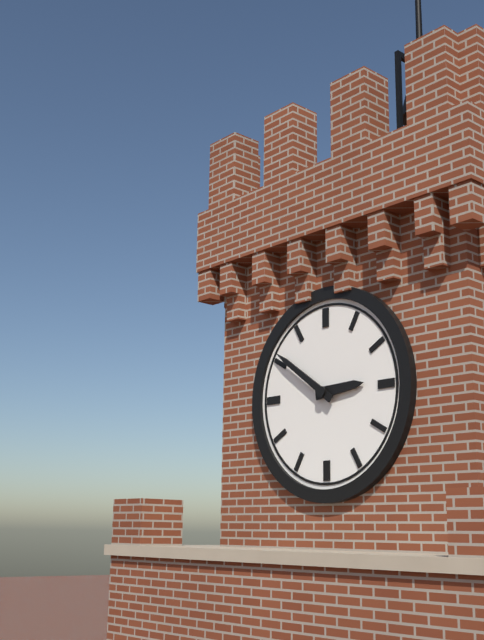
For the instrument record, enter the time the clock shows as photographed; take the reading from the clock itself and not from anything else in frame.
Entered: 2:51
